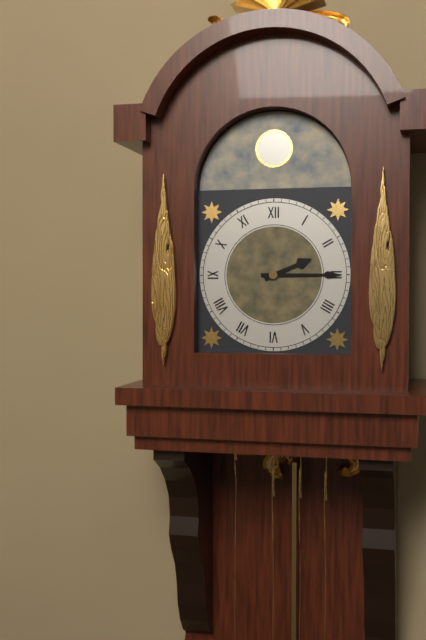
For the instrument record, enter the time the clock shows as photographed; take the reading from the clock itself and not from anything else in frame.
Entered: 2:15
